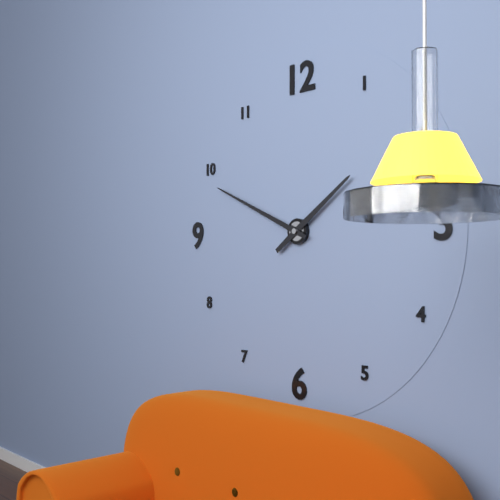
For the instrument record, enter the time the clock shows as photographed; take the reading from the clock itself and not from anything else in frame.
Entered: 1:49
